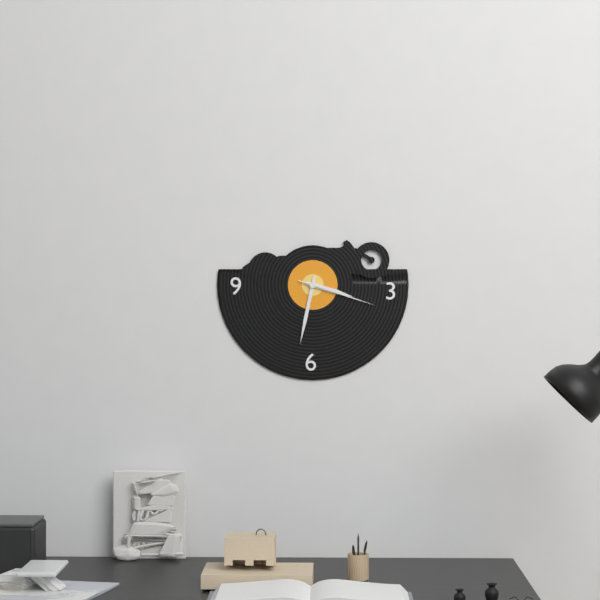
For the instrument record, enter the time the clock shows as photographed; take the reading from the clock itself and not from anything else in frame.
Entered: 3:32:18
